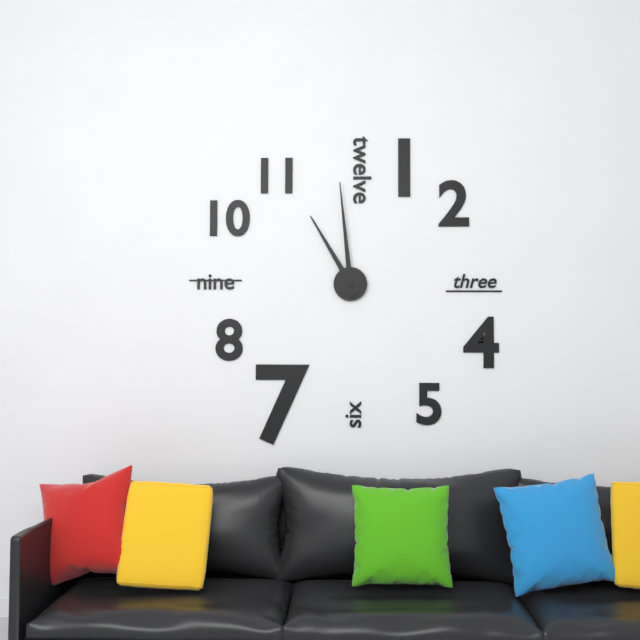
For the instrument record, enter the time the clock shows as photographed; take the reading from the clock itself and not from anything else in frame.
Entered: 10:59
